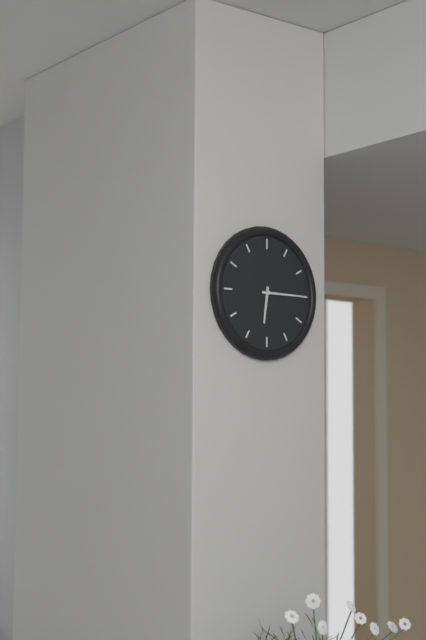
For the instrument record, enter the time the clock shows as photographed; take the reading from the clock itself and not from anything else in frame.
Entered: 6:15
